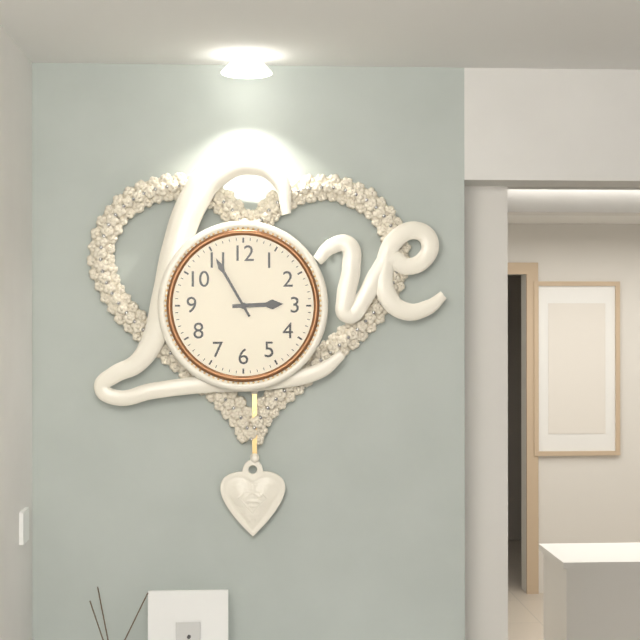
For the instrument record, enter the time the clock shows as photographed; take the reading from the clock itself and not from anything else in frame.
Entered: 2:55
